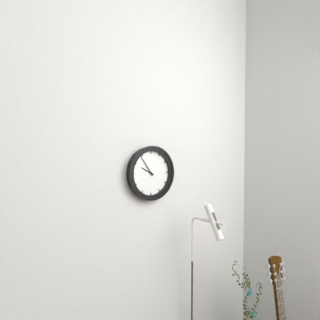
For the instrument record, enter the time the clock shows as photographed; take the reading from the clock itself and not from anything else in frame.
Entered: 9:54
